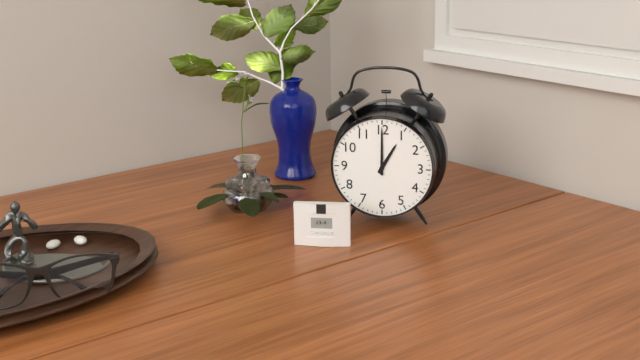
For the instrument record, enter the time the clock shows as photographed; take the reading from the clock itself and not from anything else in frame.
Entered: 1:00
